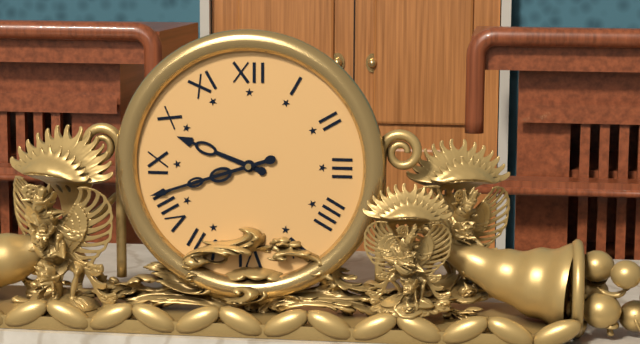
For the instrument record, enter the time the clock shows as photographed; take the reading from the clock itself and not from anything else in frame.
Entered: 9:42
